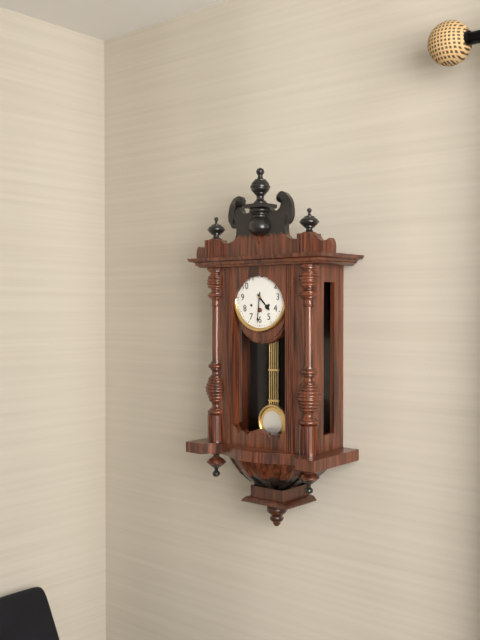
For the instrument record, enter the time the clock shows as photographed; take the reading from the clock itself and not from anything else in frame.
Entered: 4:31
